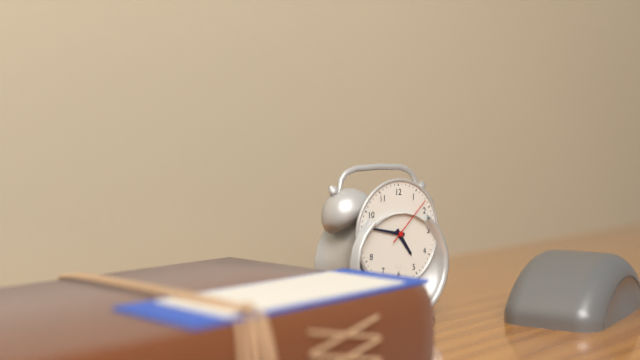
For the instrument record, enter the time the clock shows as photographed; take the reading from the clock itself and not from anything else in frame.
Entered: 4:47:08
